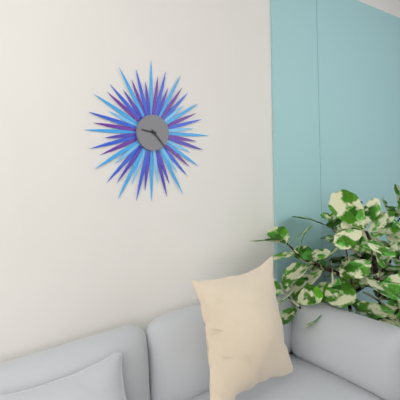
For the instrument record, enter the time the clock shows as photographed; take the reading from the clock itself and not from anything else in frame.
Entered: 9:23
